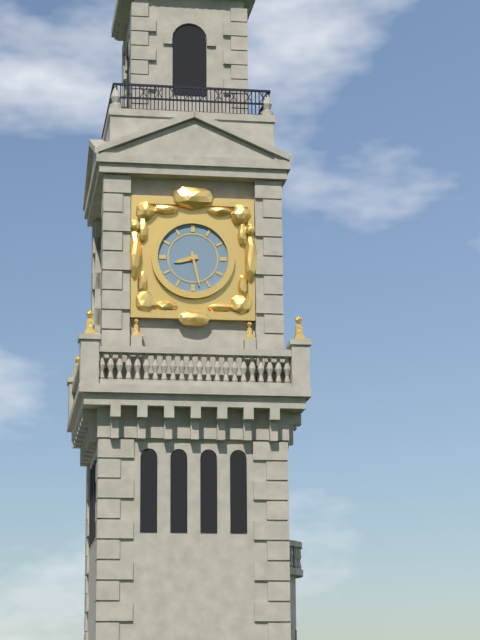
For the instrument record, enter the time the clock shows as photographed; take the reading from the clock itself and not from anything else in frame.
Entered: 8:28
